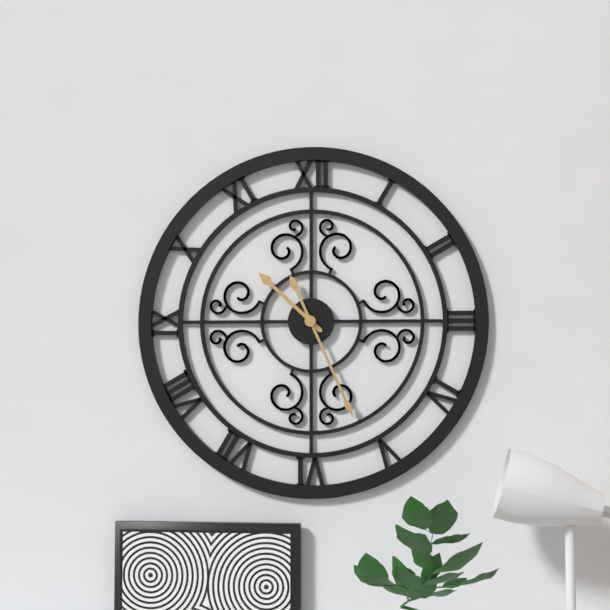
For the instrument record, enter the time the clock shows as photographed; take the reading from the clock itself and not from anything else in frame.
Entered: 10:26
